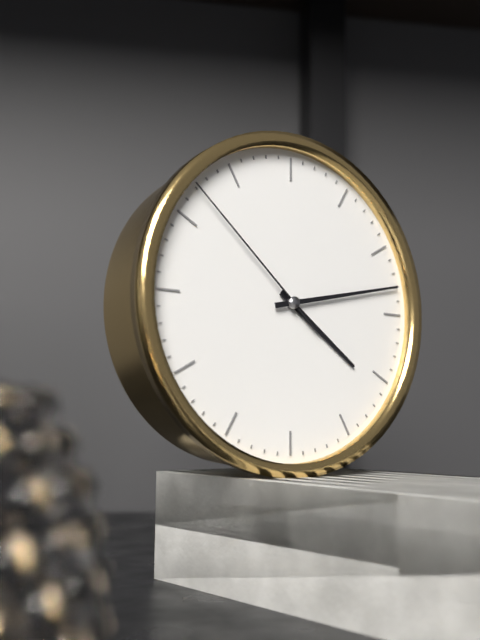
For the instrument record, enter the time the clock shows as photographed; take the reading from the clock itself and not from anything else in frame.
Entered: 4:13:52
